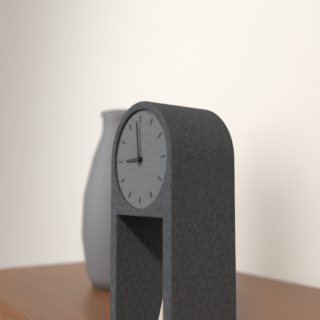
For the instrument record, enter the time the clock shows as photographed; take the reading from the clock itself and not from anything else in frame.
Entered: 8:59
